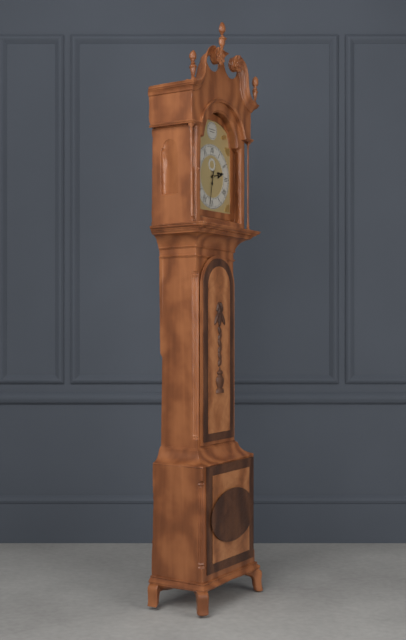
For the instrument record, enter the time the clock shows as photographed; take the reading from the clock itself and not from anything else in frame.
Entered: 2:32
